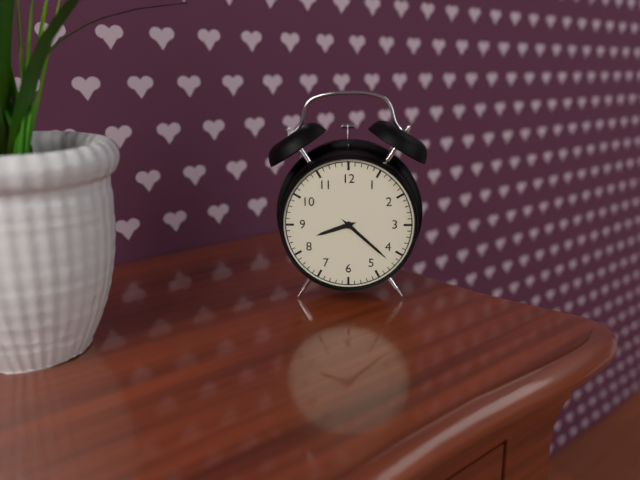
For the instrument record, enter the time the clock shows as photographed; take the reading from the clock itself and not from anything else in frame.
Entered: 8:22
